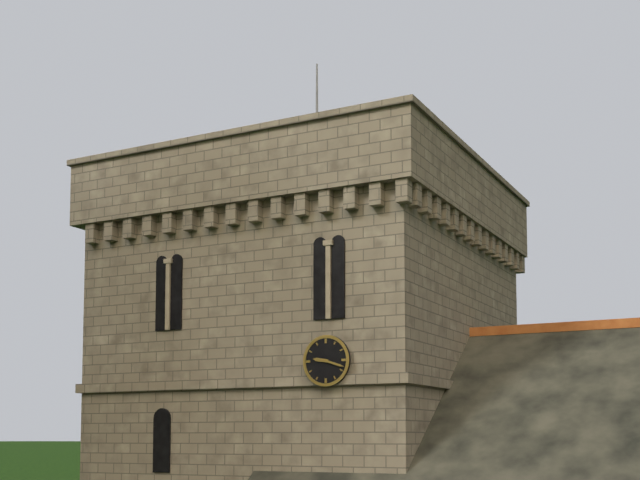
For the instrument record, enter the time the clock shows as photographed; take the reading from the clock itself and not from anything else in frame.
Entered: 9:18
